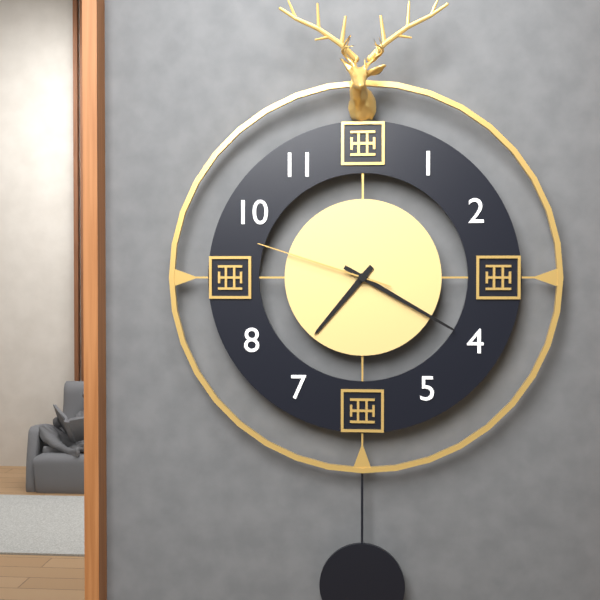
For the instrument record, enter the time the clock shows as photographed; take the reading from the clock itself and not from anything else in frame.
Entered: 7:20:48
